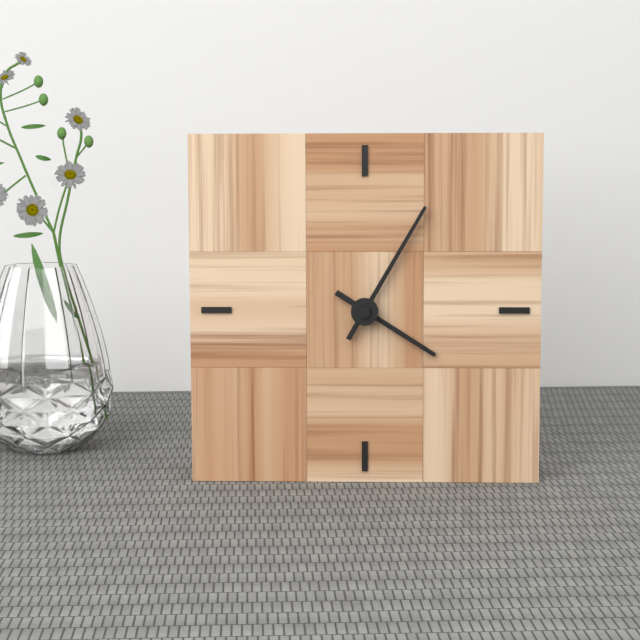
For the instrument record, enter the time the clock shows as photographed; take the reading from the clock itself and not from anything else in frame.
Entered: 4:05
